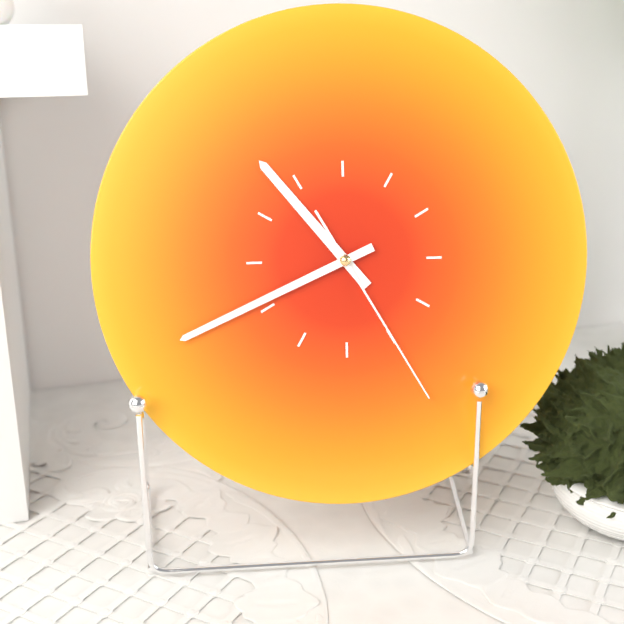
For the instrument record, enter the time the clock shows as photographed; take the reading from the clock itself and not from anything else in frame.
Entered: 10:41:25
